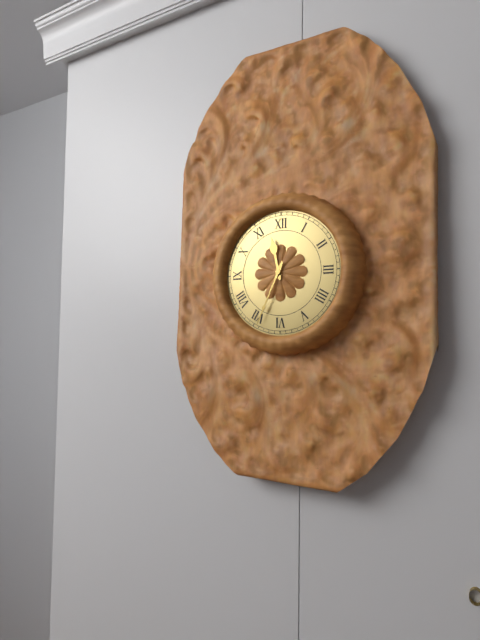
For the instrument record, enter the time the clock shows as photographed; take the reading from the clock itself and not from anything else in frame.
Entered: 11:34
